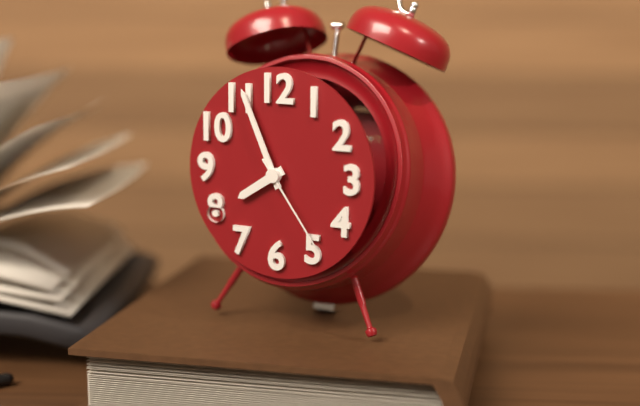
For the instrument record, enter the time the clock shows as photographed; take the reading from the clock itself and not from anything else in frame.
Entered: 7:56:24
